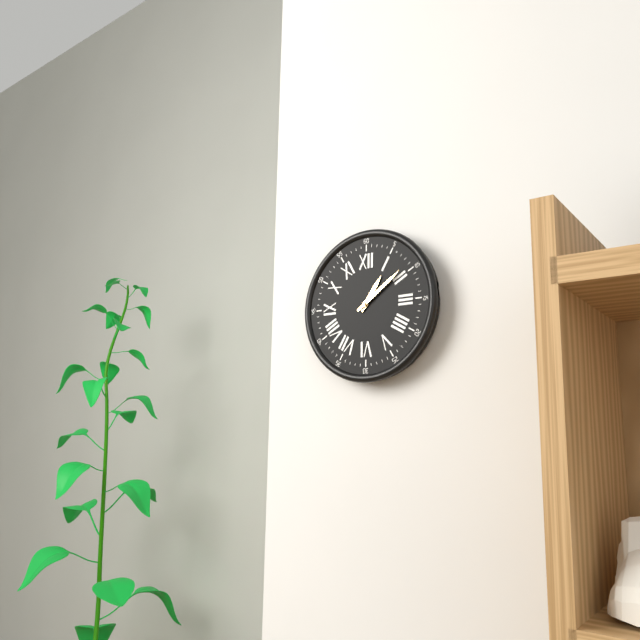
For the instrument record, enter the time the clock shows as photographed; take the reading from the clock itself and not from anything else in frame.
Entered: 1:09
